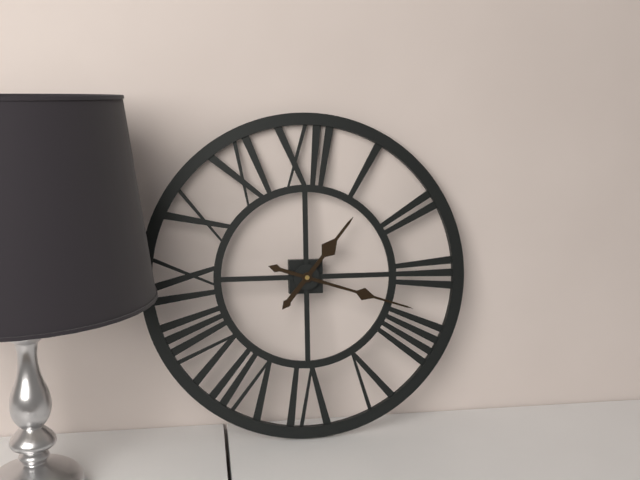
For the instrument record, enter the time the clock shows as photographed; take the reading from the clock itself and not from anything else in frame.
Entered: 1:18
